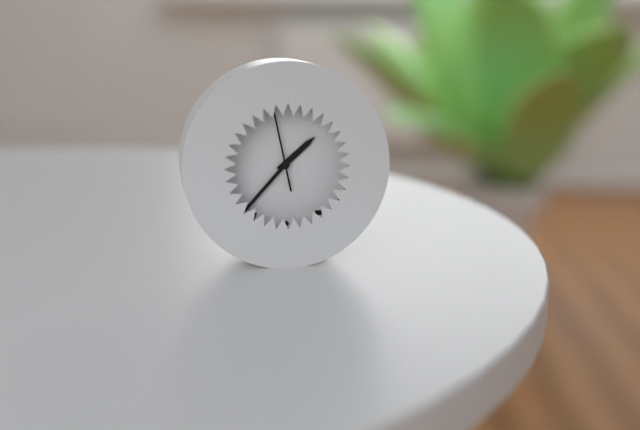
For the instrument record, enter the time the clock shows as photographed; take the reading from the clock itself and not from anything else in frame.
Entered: 1:37:58
